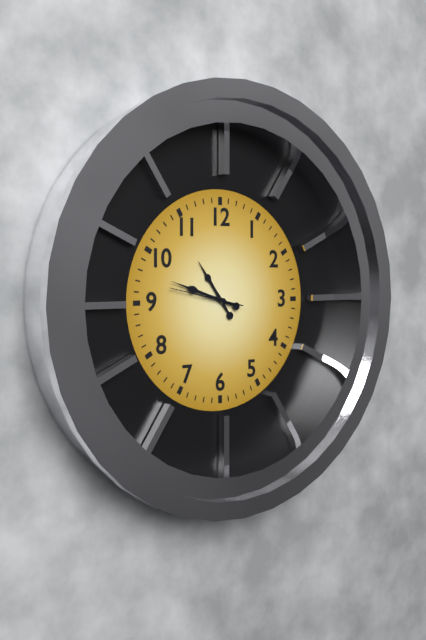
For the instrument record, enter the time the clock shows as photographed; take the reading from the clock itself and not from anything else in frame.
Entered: 10:48:47
